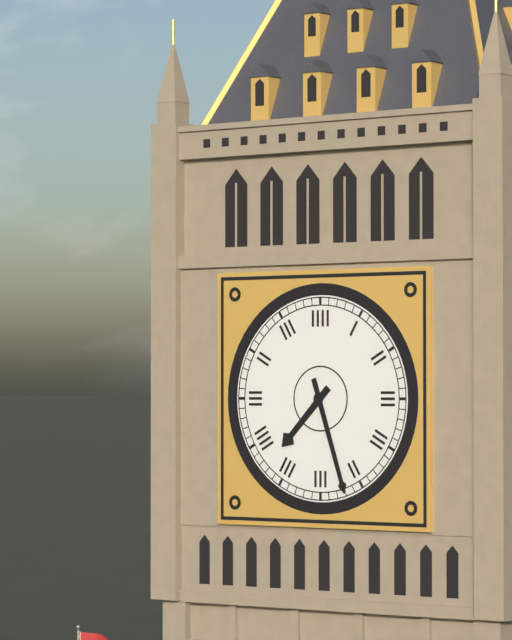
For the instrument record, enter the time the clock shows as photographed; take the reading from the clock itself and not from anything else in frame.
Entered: 7:27
